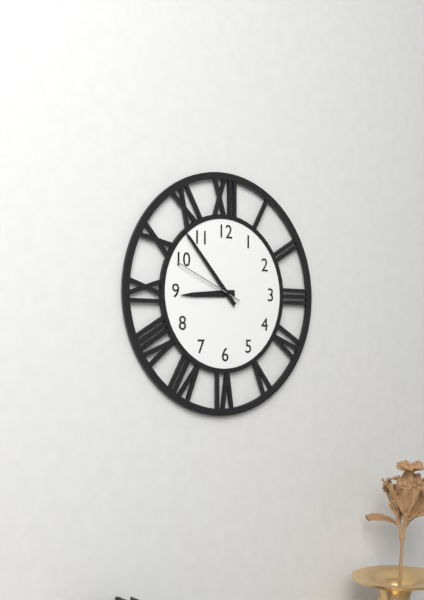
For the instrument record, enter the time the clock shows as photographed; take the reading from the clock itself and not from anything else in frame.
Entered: 8:53:49
